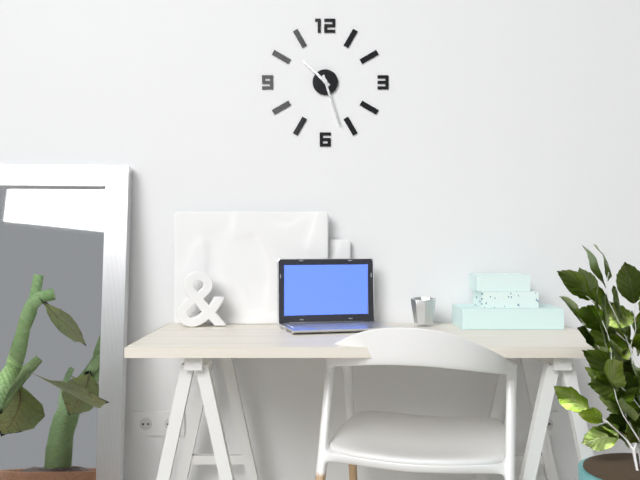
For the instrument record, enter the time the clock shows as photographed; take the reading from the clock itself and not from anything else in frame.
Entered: 10:27
